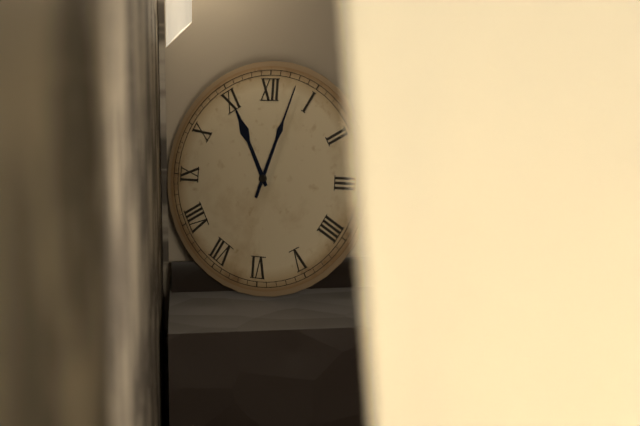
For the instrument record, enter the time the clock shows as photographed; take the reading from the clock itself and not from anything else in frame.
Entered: 11:03
